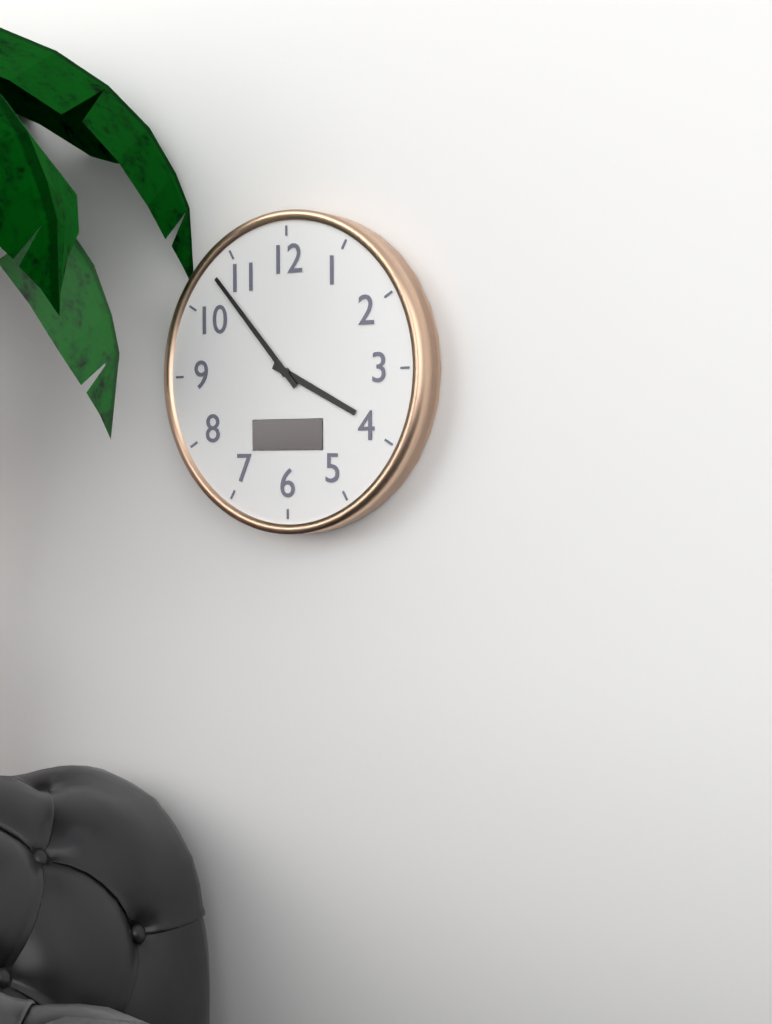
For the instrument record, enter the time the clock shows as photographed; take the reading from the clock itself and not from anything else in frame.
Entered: 3:53
